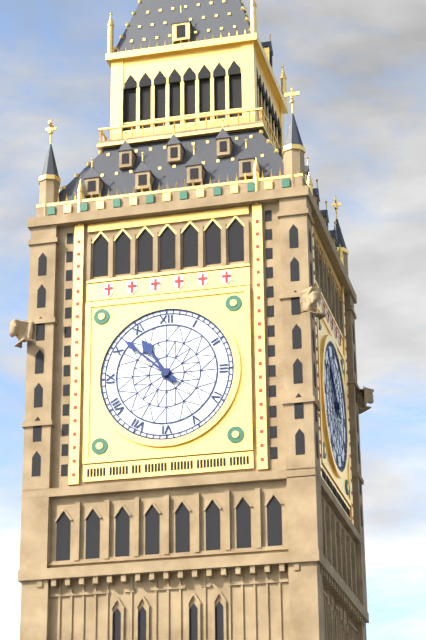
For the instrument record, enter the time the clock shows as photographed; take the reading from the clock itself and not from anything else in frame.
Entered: 10:52
